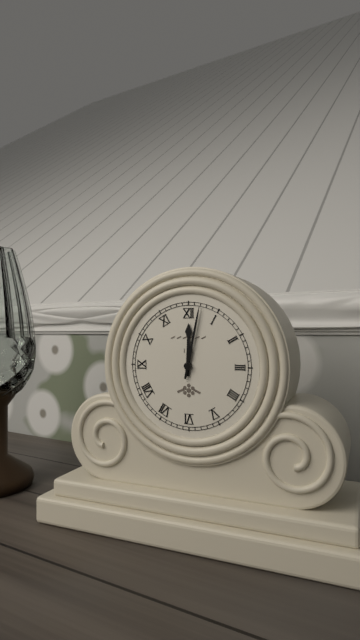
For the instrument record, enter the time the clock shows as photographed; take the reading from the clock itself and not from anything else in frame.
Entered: 12:02
